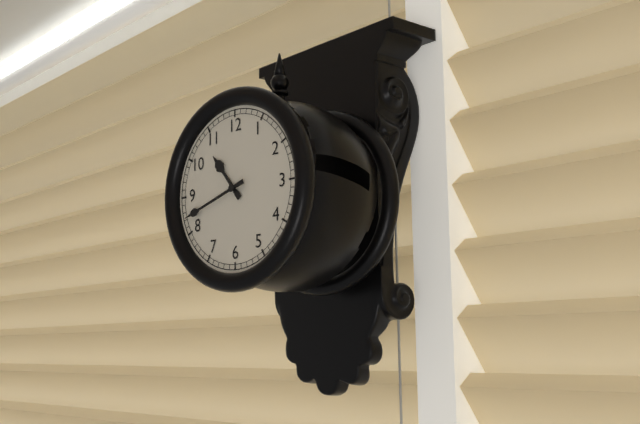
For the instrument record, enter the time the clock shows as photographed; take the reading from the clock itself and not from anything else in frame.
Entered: 10:42
